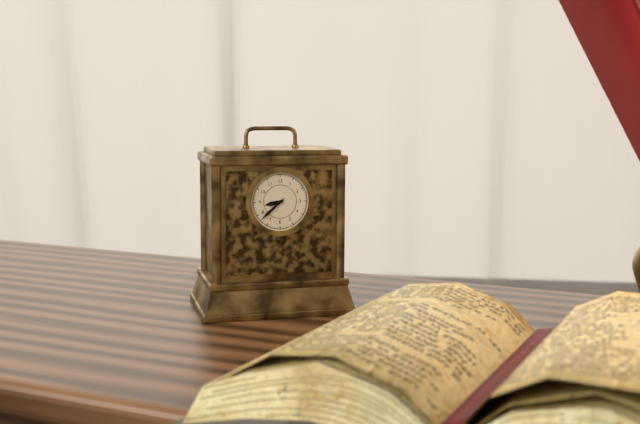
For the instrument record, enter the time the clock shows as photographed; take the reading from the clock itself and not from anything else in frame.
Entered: 8:38
